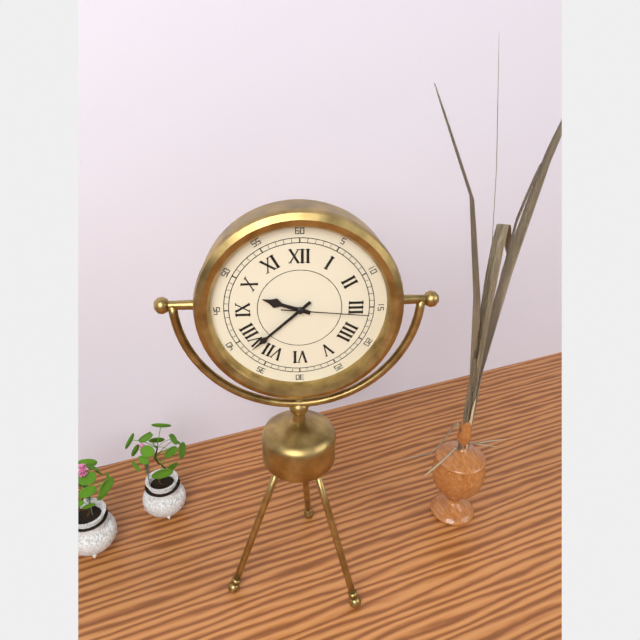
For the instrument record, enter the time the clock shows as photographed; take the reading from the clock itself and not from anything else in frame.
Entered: 9:38:16
